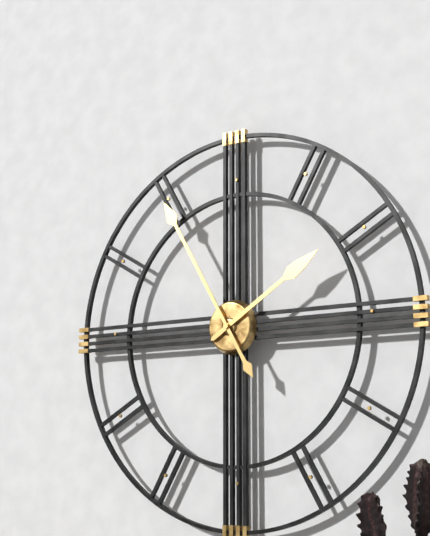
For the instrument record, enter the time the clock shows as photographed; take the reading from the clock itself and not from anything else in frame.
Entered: 1:55
